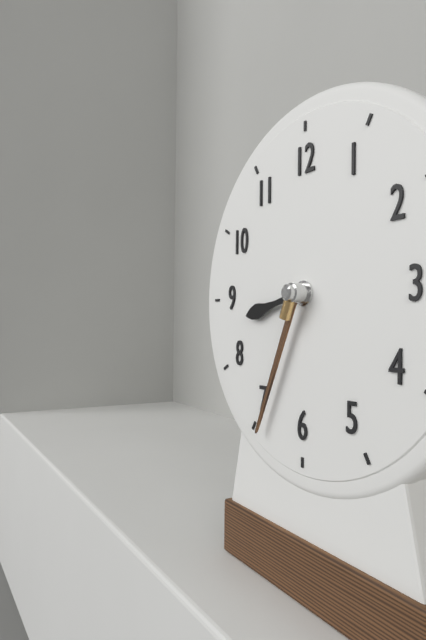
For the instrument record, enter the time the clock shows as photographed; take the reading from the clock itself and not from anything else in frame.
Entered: 8:34
